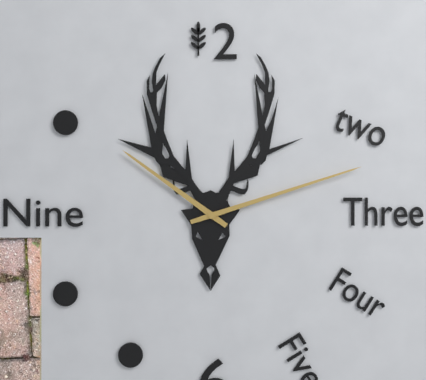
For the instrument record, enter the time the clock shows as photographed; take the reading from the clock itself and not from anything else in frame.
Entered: 10:12
